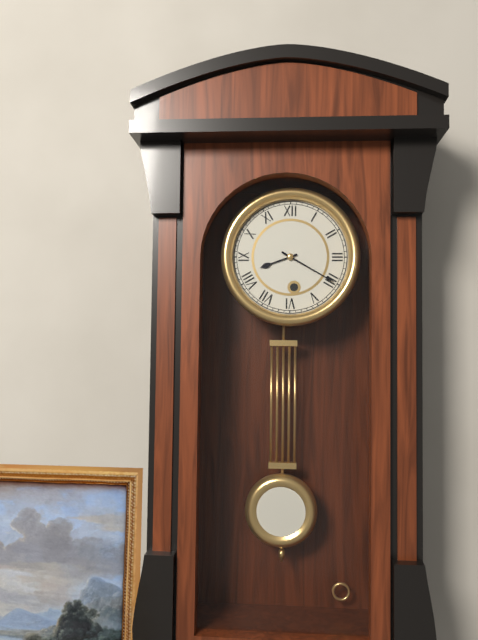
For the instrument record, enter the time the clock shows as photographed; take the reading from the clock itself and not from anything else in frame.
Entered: 8:20
